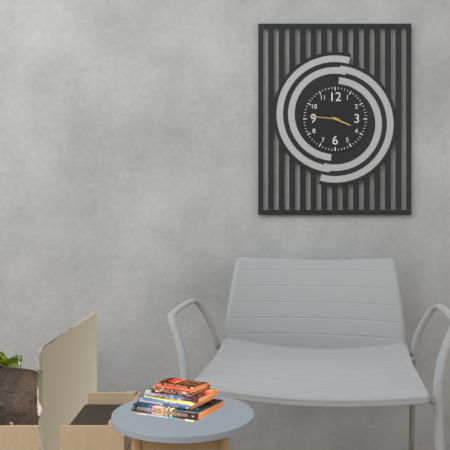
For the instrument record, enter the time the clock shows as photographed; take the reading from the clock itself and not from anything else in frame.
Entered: 3:46
